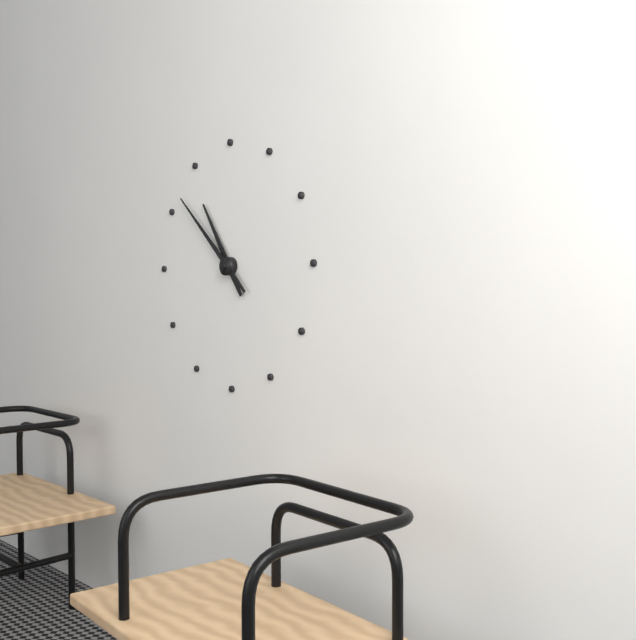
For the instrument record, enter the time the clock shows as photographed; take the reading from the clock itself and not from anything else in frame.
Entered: 10:52
